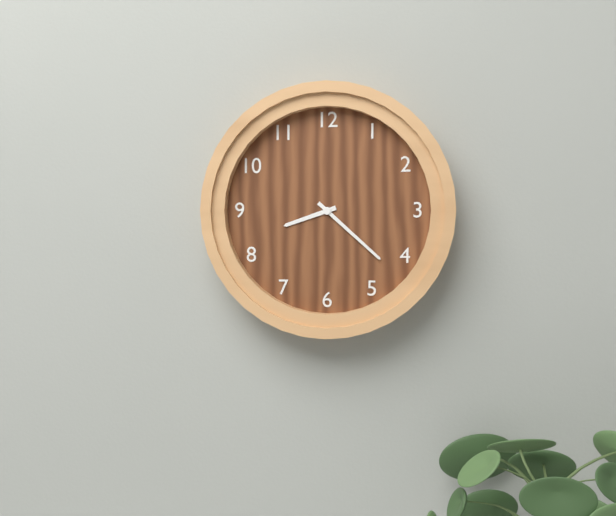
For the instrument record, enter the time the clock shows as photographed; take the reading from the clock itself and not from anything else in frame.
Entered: 8:22
